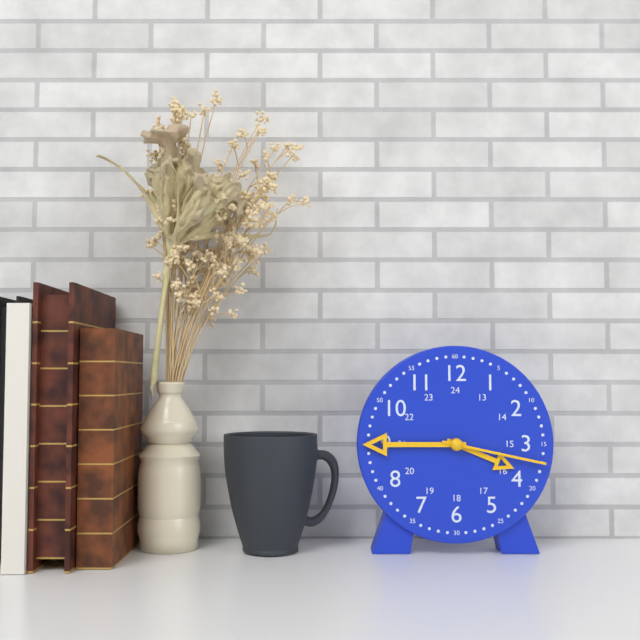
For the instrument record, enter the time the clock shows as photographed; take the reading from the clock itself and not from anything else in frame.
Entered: 3:45:17
